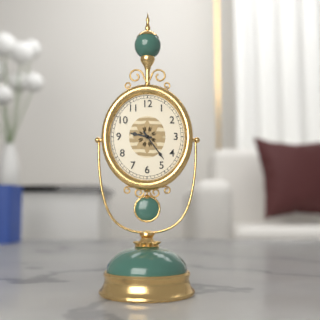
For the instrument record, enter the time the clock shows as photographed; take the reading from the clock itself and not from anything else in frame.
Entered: 9:24
